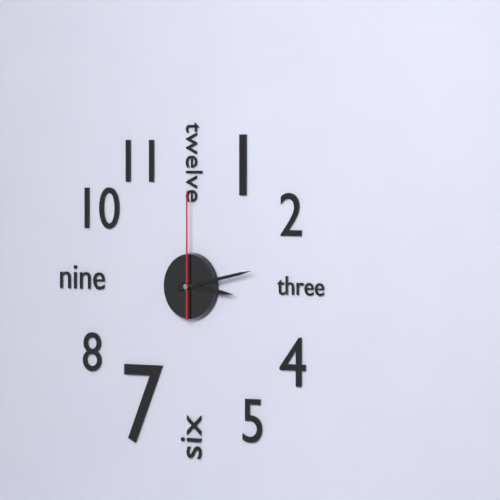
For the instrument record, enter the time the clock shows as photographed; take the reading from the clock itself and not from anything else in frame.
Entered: 3:13:00
